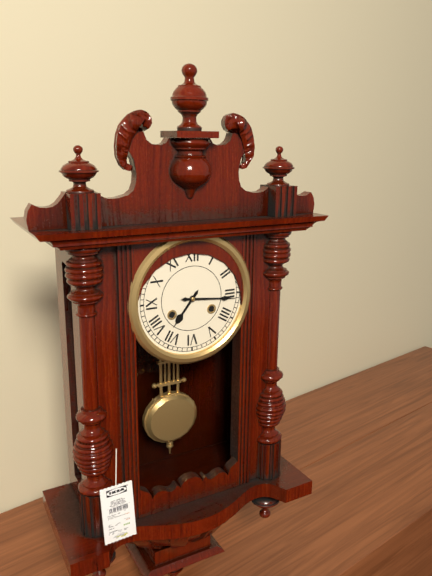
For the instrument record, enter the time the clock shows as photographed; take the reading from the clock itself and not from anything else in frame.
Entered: 7:16
